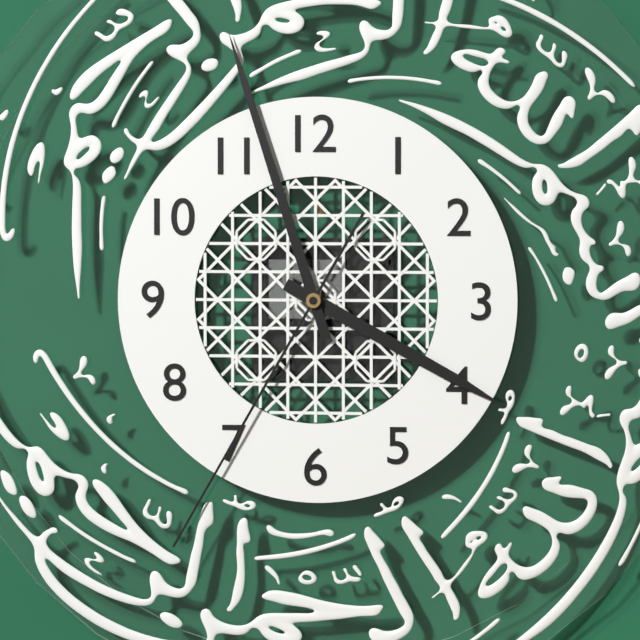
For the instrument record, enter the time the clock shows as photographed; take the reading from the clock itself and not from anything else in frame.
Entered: 3:57:35
